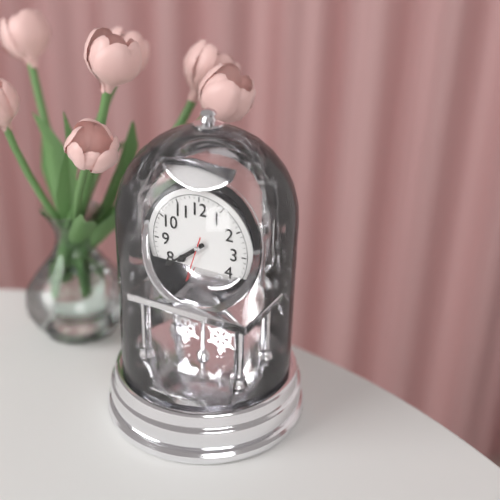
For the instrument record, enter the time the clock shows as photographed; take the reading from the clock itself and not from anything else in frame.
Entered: 7:39:33
